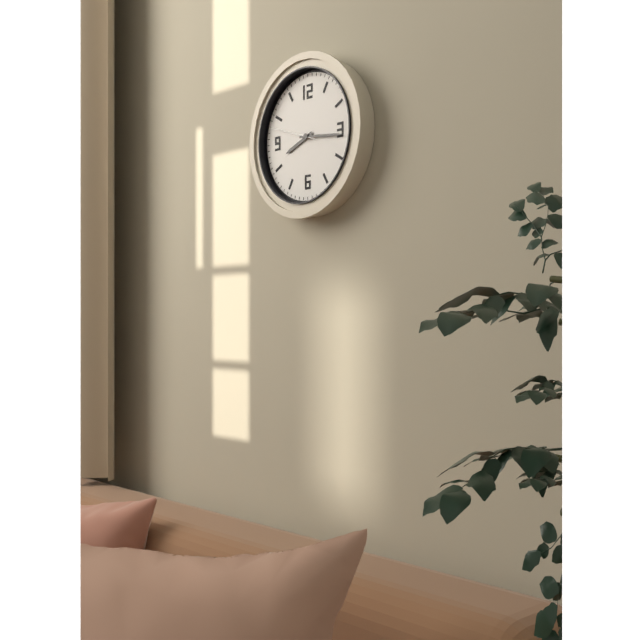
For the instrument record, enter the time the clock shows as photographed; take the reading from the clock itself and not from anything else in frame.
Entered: 8:16
